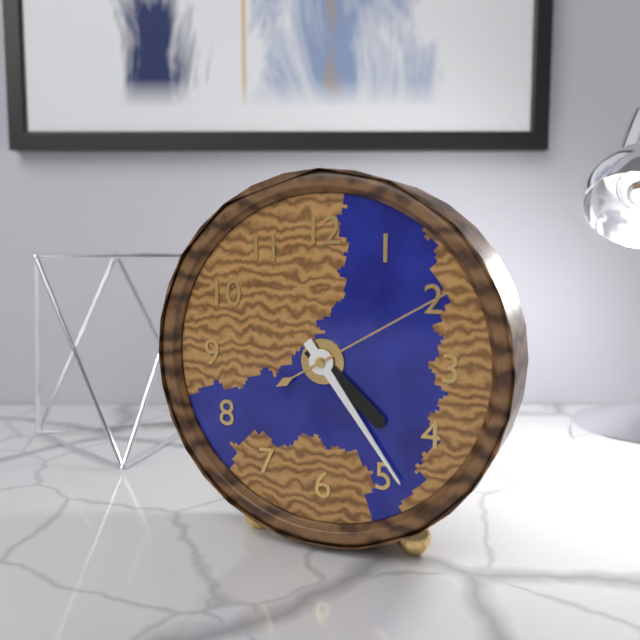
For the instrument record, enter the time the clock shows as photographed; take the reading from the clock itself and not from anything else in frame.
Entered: 4:24:10
